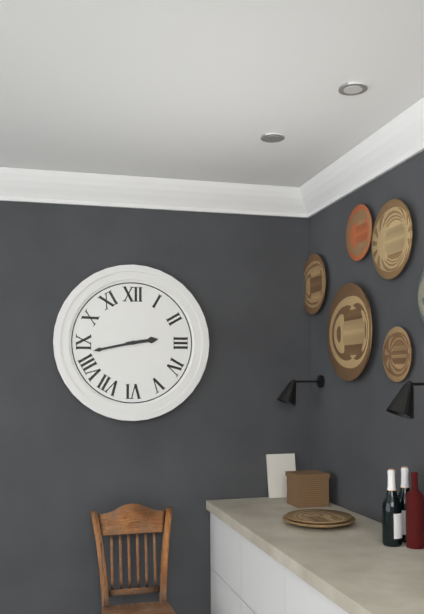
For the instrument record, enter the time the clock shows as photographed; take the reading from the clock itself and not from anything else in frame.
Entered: 2:43
